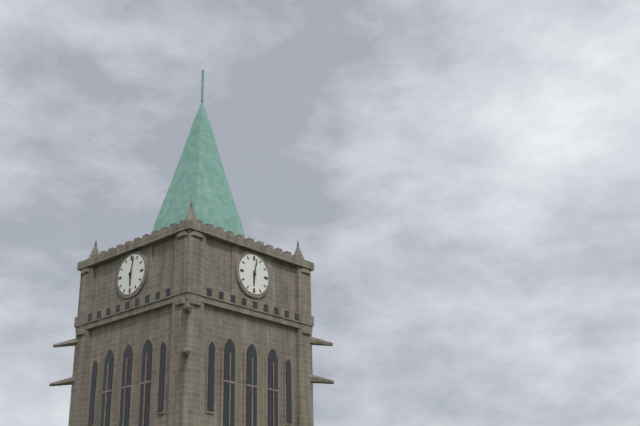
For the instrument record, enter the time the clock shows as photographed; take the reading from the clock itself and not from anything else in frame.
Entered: 6:02
